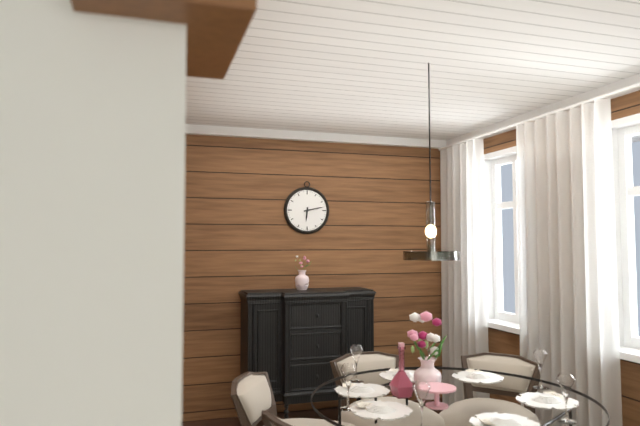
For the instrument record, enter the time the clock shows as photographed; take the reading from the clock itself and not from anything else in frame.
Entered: 6:13
